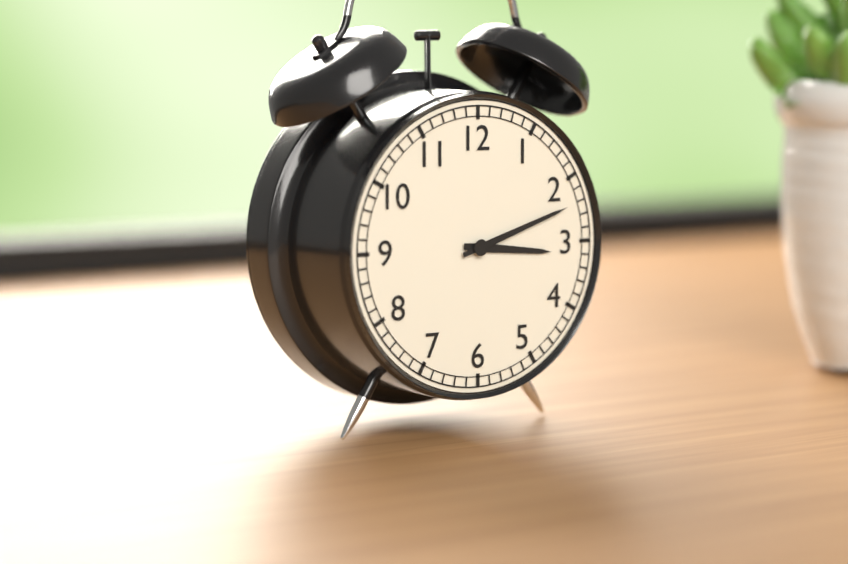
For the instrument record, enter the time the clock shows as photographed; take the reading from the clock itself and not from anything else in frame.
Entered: 3:12
